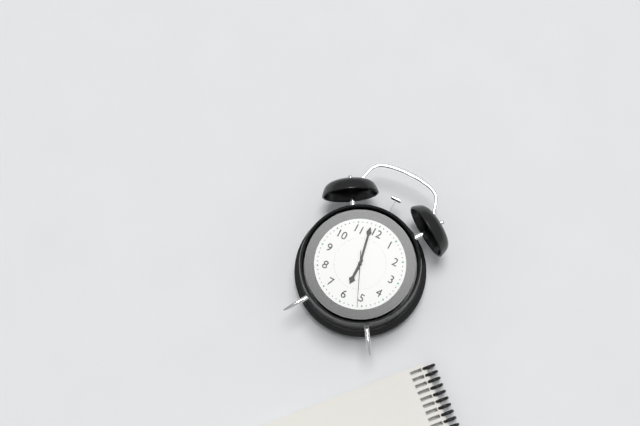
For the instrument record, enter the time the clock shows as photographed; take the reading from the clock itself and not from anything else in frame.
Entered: 5:58:26
